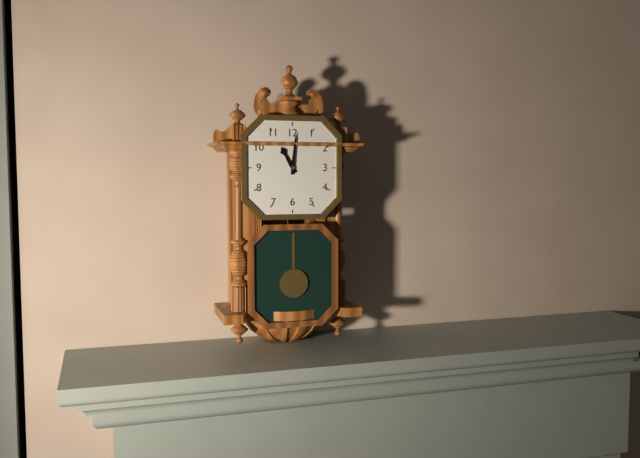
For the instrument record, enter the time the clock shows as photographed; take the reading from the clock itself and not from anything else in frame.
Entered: 11:01
